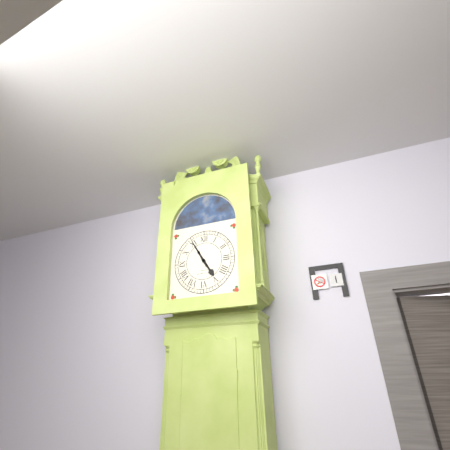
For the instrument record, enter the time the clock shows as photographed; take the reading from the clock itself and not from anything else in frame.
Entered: 4:55
